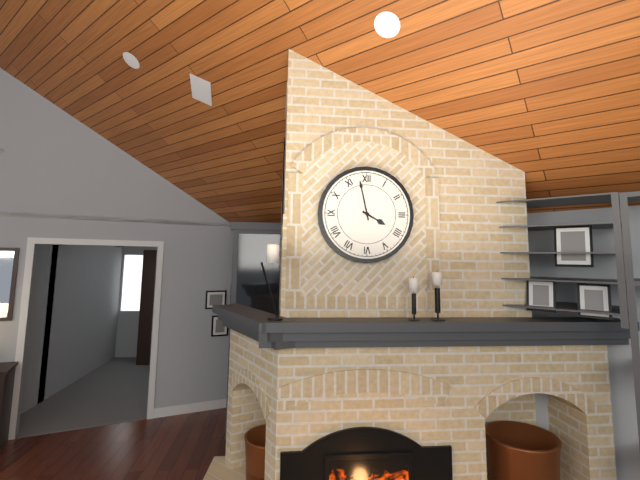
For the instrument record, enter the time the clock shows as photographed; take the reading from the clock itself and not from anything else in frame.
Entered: 3:58
